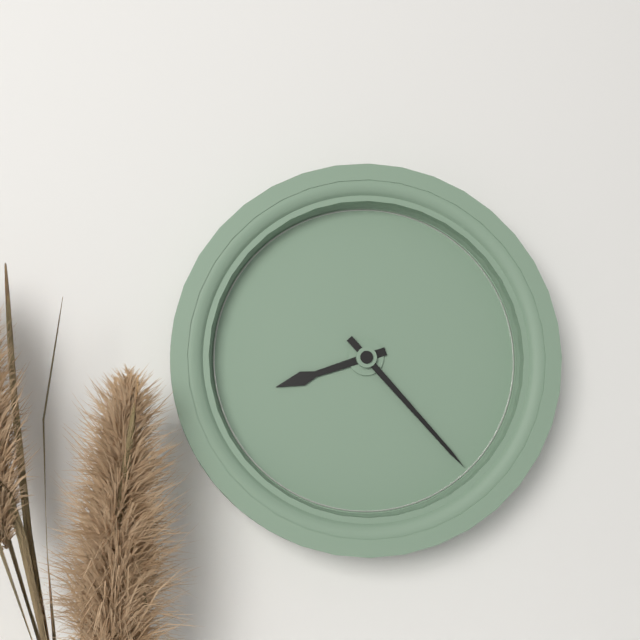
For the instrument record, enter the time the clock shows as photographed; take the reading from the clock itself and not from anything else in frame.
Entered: 8:23
